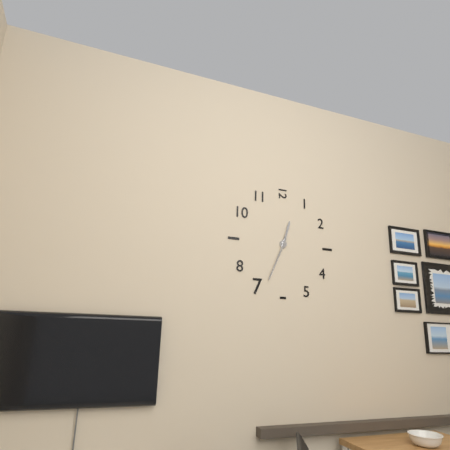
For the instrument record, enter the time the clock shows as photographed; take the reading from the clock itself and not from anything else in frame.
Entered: 12:34
